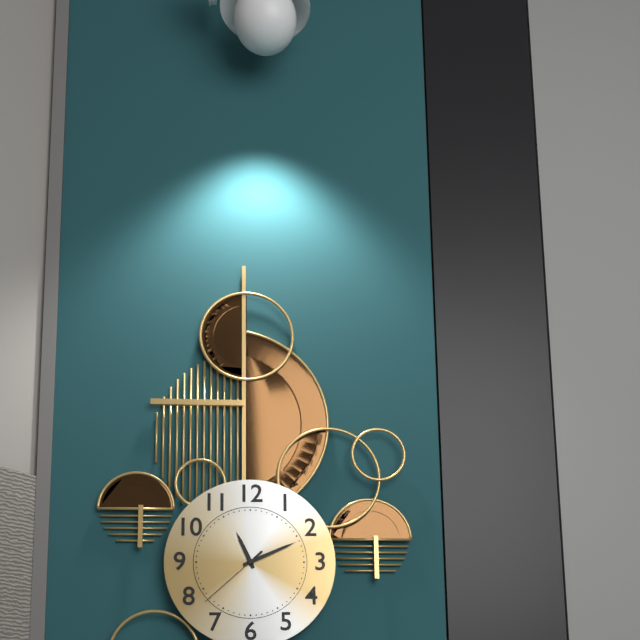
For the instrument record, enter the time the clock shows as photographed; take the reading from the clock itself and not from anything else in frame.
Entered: 11:11:38
